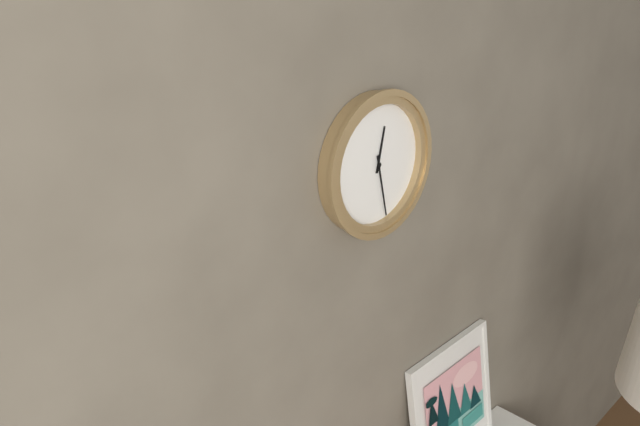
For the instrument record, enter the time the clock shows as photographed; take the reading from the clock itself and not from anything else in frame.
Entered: 12:28
